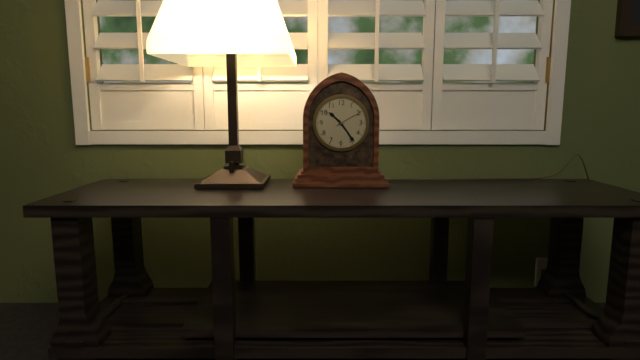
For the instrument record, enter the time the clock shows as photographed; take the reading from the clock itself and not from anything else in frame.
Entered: 10:24
